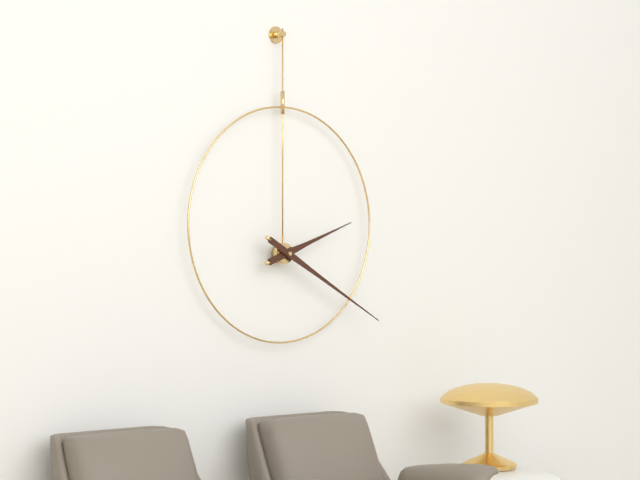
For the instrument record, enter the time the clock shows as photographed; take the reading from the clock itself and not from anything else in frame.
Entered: 2:20
